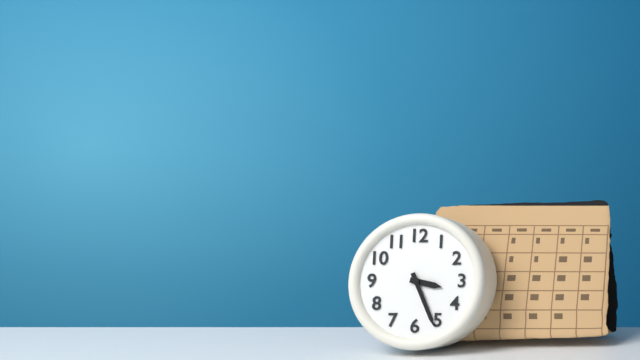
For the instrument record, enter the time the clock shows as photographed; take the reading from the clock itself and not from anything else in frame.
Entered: 3:26
